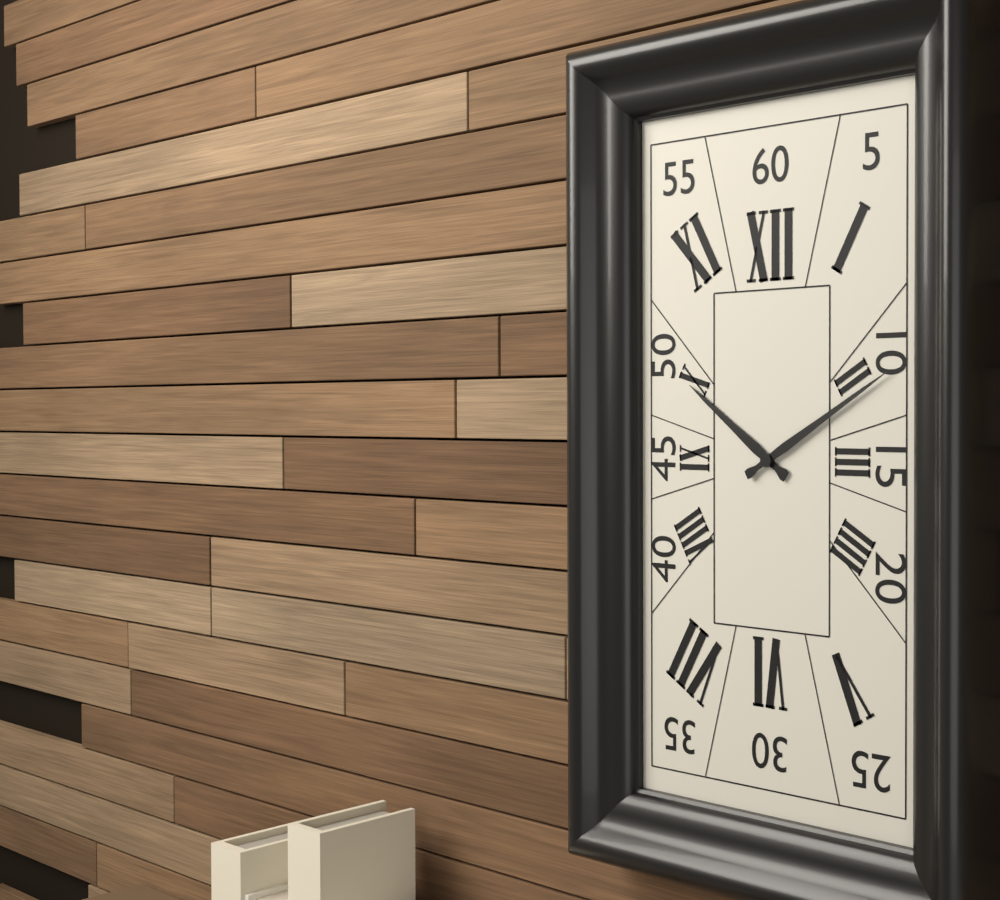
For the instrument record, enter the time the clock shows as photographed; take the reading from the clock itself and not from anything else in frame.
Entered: 10:10
